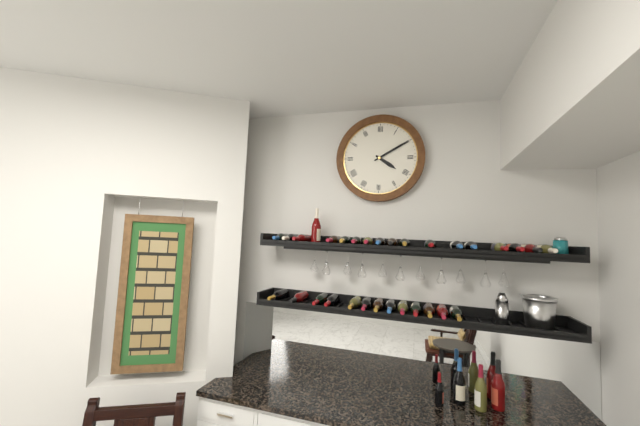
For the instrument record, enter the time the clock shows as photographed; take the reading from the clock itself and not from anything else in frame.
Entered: 4:10
